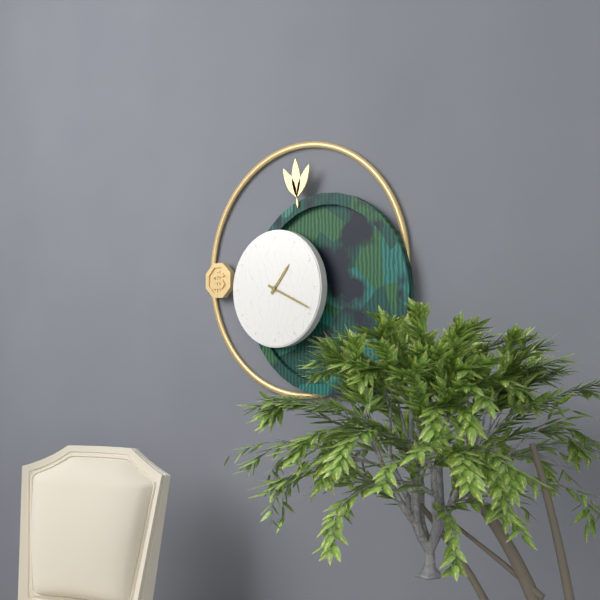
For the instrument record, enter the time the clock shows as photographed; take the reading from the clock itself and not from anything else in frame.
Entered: 1:19
